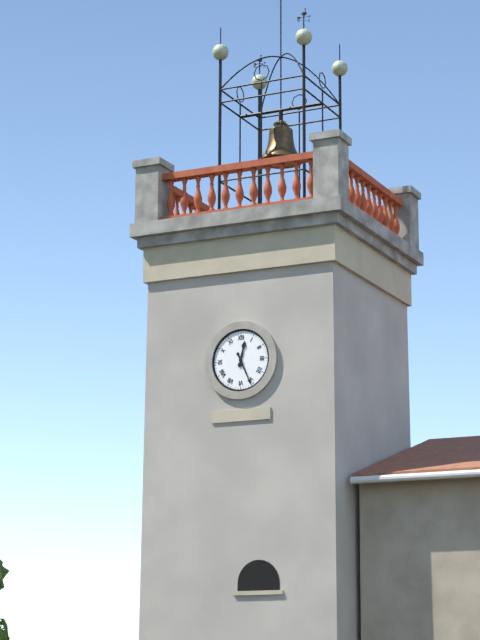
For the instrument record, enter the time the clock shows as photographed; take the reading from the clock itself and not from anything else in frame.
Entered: 12:26
